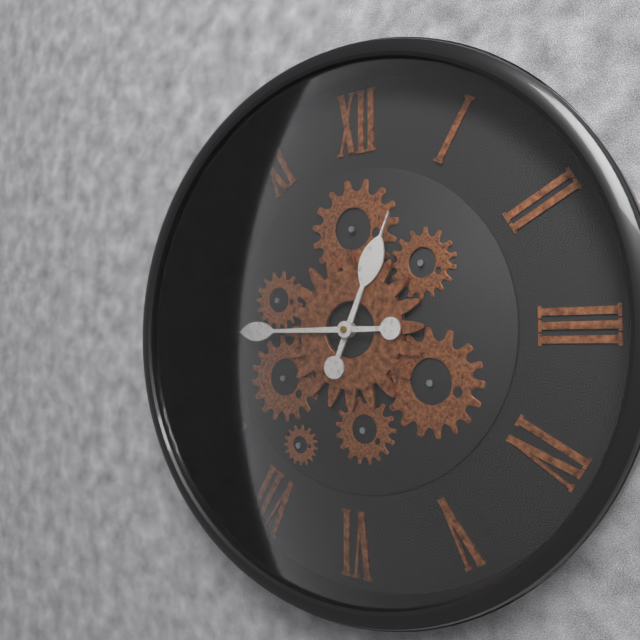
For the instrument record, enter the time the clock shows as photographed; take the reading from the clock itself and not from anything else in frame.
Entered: 12:45
